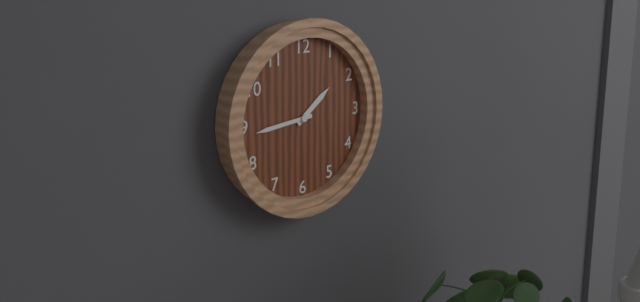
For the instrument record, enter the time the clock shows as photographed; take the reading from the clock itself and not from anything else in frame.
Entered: 1:44
